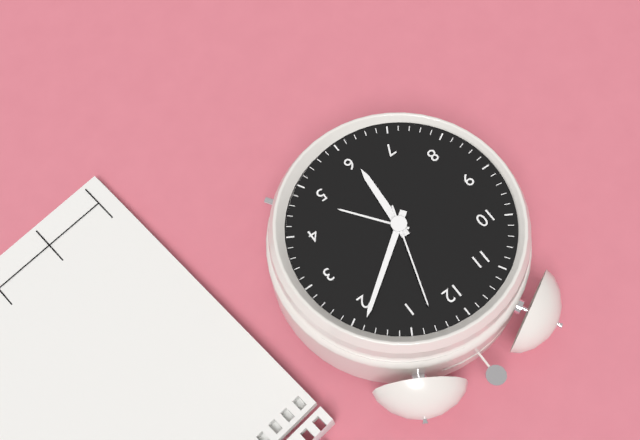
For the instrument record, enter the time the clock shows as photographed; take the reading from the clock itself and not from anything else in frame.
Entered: 6:09:03
